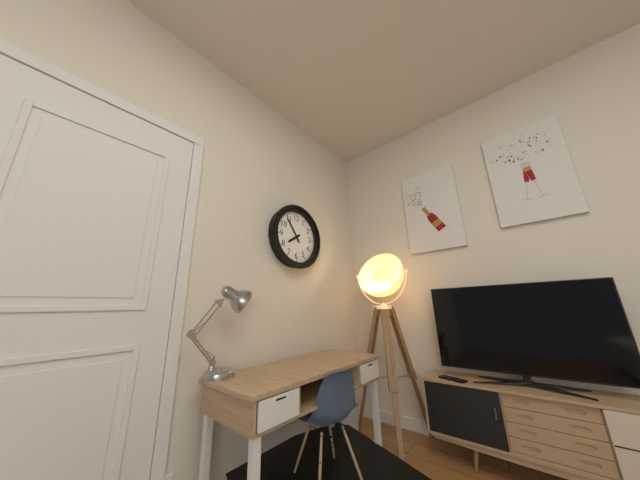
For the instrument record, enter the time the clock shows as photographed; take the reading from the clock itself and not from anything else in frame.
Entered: 7:54
